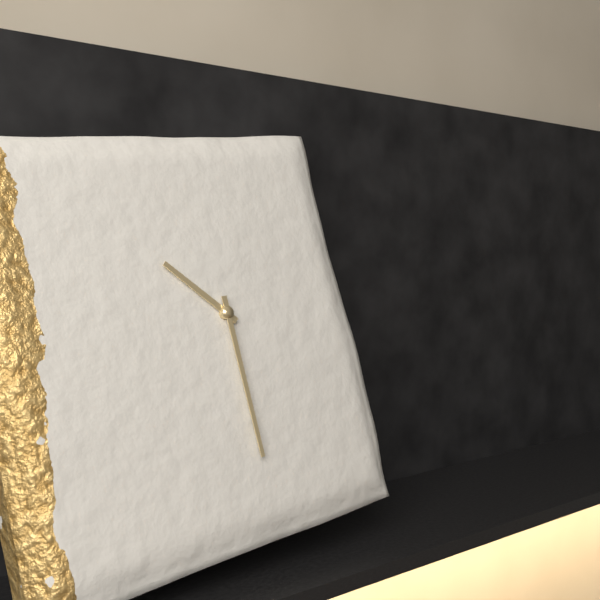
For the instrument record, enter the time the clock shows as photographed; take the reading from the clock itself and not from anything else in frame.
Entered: 10:30
